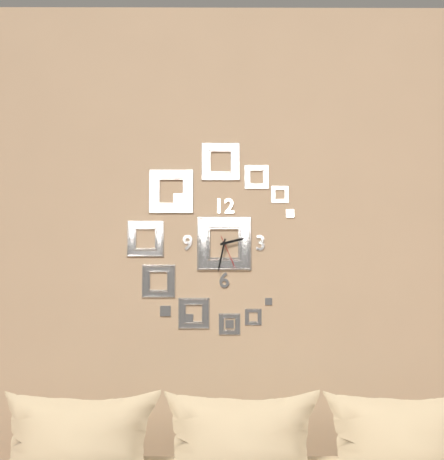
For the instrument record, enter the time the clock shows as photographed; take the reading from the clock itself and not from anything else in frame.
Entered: 2:32
